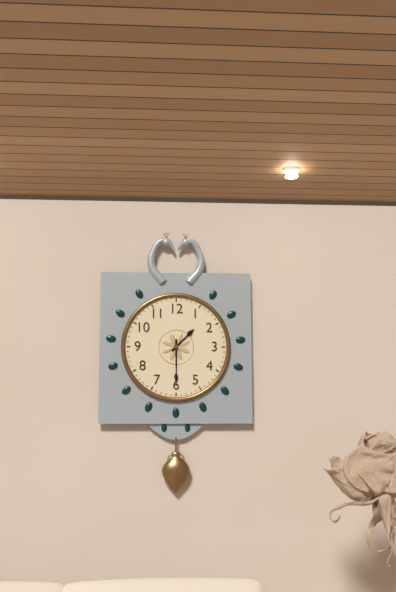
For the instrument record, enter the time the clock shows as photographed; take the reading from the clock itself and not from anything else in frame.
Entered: 1:30
